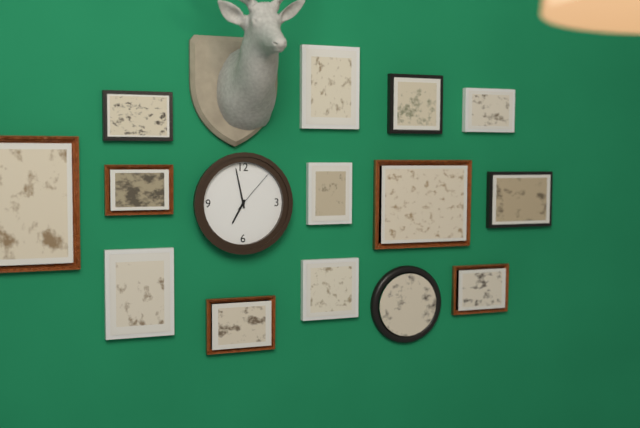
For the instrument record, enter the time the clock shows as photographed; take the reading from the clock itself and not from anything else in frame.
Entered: 6:58
